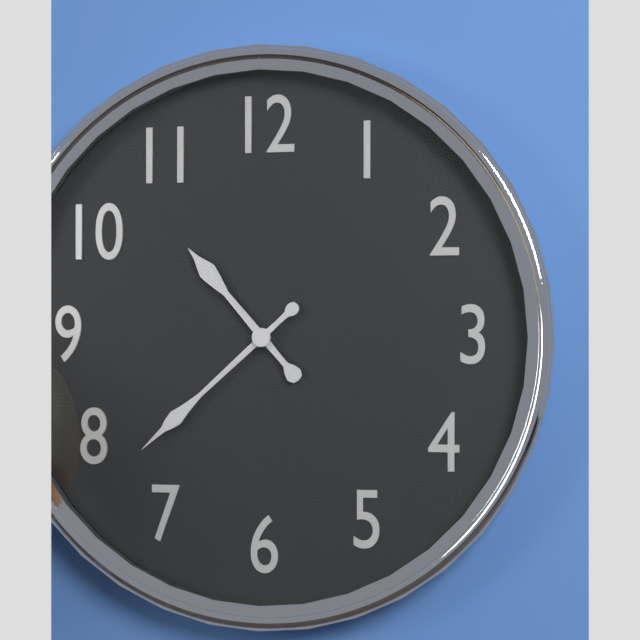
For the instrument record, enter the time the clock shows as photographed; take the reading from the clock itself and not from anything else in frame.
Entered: 10:38
